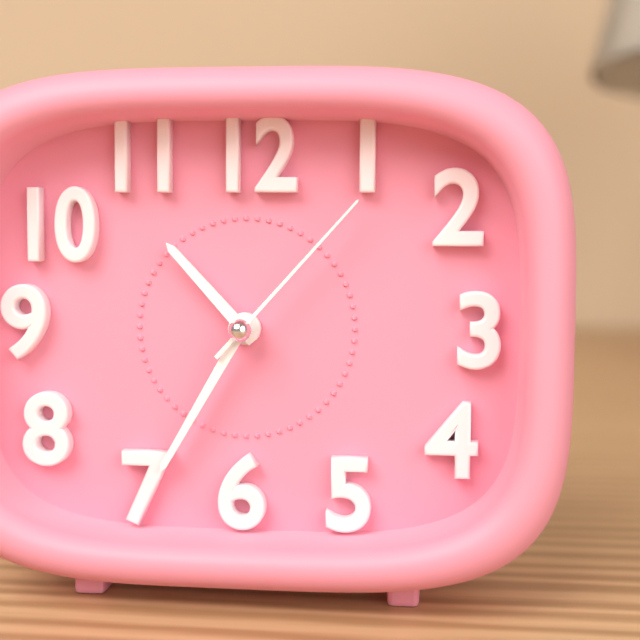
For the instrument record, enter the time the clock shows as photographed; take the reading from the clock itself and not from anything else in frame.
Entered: 10:35:07
